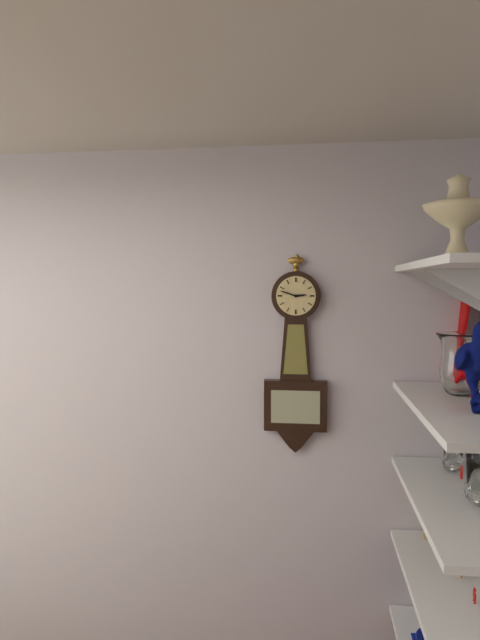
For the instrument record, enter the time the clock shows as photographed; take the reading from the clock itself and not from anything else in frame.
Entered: 2:48
